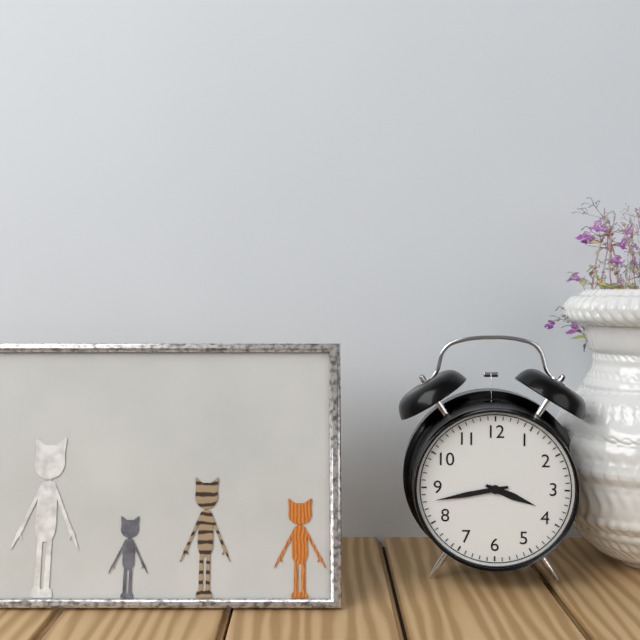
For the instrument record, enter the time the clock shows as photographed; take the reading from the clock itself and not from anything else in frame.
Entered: 3:43
